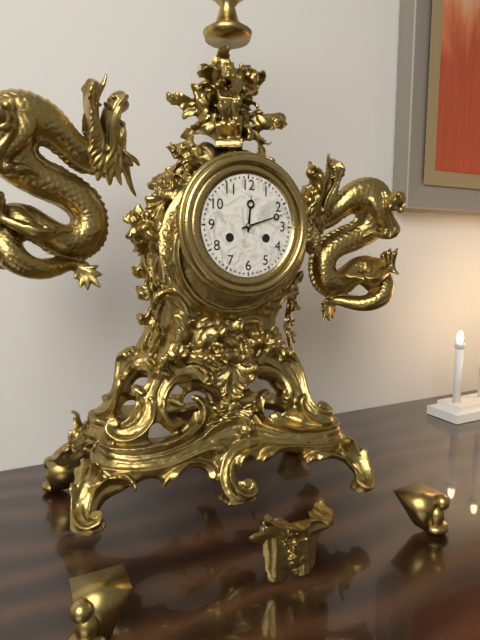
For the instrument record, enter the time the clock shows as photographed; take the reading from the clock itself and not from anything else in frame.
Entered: 12:12
